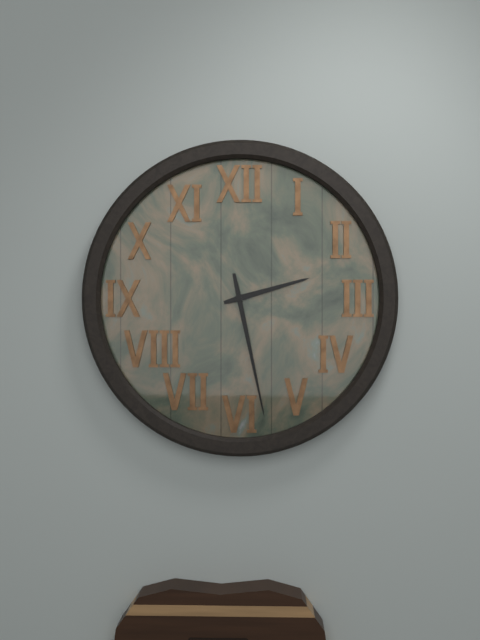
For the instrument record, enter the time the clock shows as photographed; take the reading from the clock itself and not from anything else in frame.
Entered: 2:28
